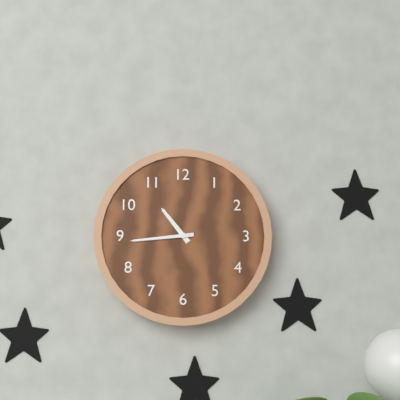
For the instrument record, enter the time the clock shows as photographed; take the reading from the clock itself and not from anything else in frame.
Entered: 10:44
